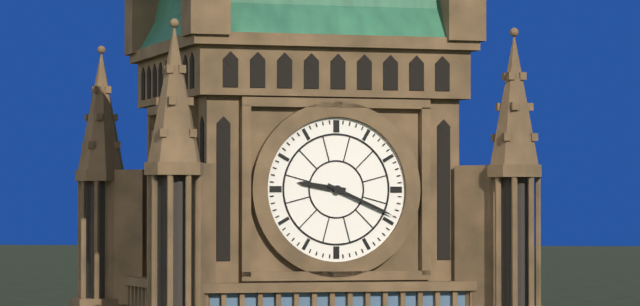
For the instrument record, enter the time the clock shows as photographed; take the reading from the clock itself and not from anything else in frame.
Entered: 9:19
